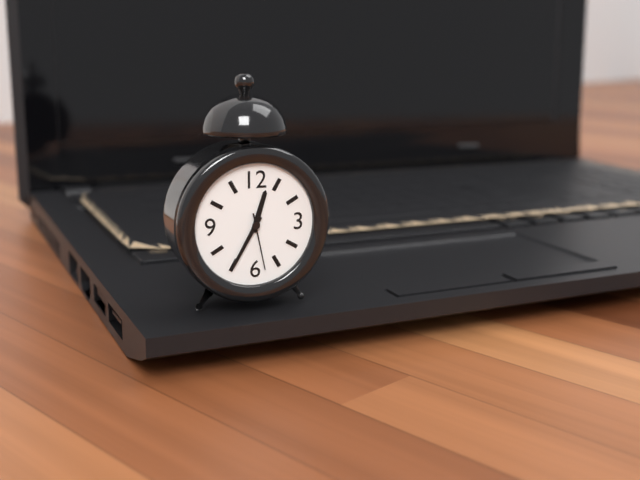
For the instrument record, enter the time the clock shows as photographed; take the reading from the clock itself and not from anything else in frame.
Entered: 12:35:28
